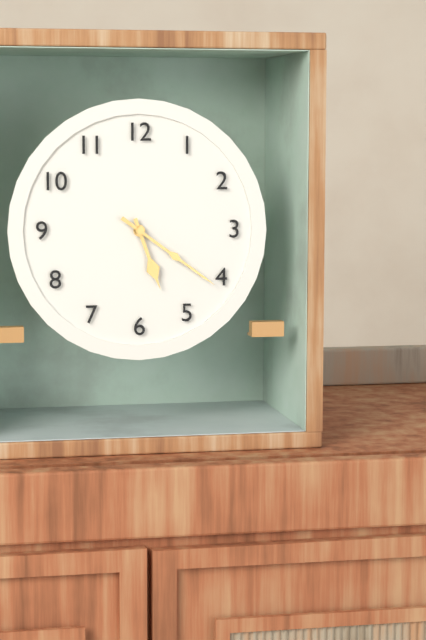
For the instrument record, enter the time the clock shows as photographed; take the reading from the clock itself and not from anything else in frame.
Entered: 5:21
